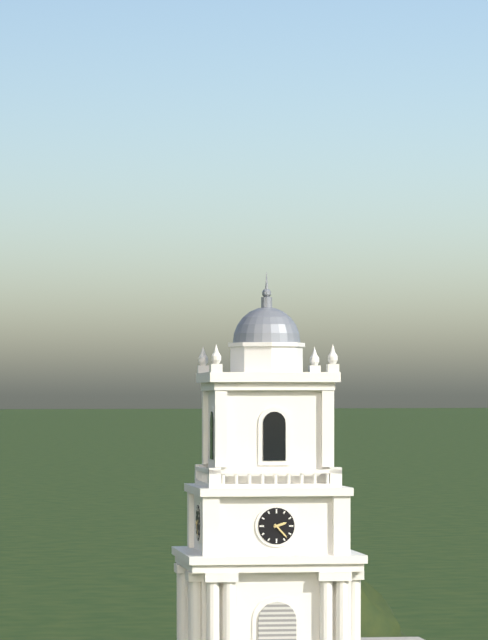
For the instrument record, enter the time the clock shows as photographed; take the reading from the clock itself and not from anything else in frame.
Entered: 2:23
